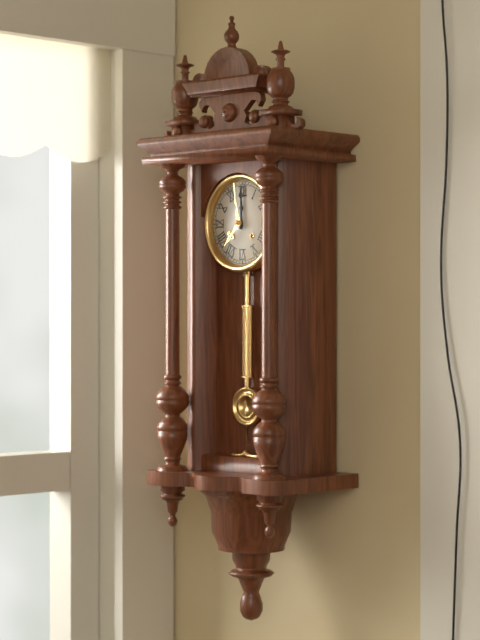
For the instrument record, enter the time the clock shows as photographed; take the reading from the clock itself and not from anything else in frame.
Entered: 12:00
